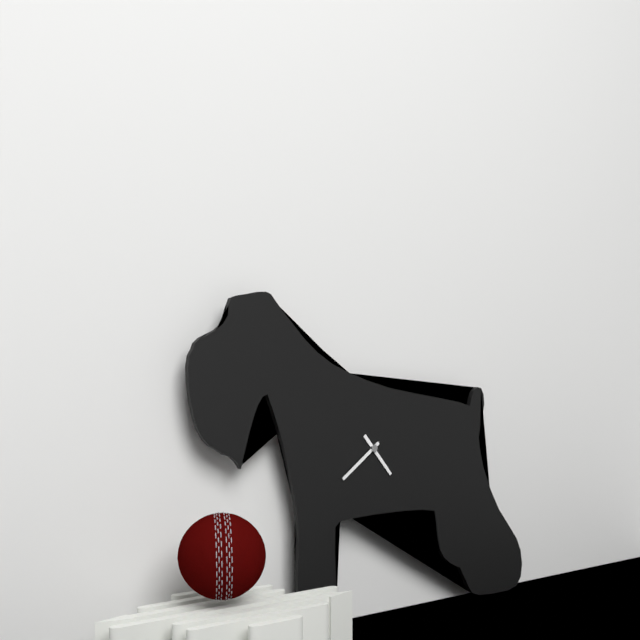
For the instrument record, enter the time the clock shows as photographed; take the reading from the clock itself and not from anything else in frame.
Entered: 4:39
